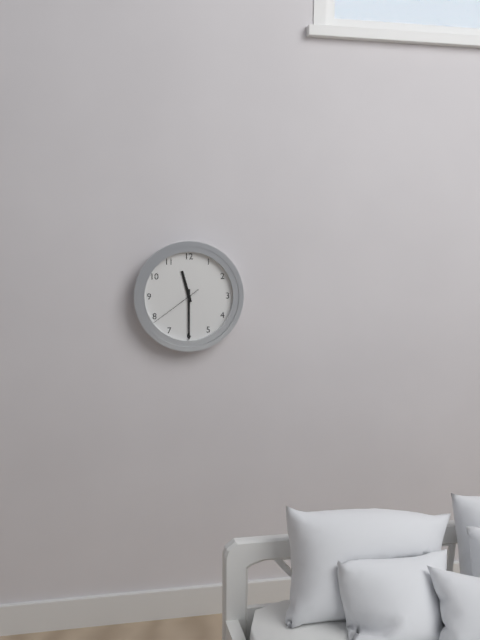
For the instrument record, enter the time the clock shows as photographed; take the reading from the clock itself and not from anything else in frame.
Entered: 11:30:39
